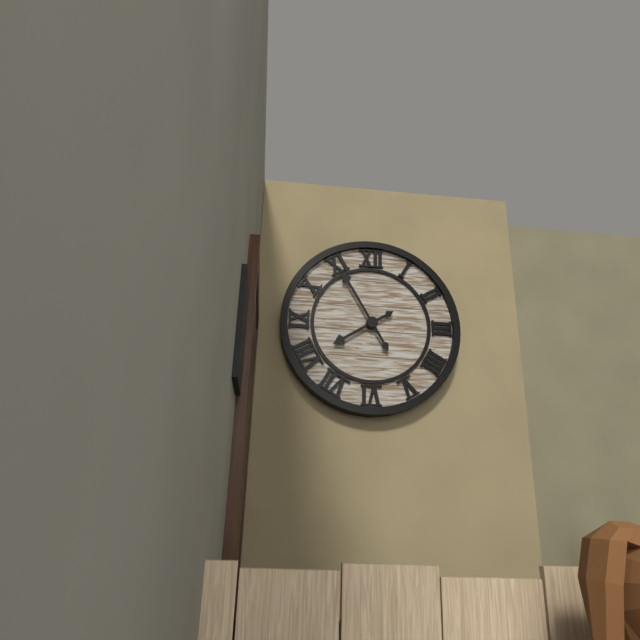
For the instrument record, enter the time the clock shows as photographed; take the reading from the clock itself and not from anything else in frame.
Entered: 7:55
